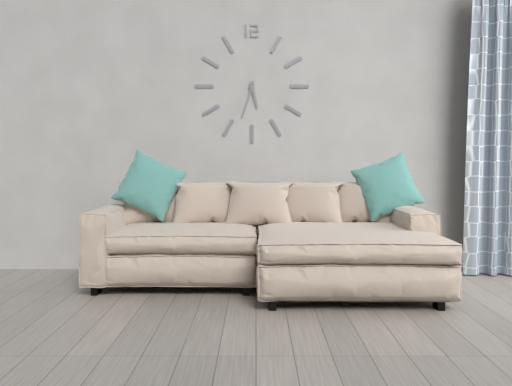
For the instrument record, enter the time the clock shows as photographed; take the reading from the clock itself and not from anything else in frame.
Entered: 5:33
